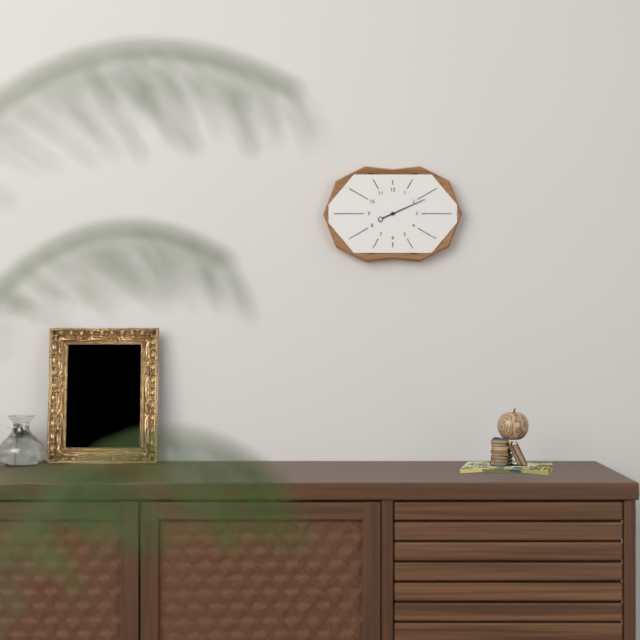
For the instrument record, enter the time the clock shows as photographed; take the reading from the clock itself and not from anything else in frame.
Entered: 8:11
